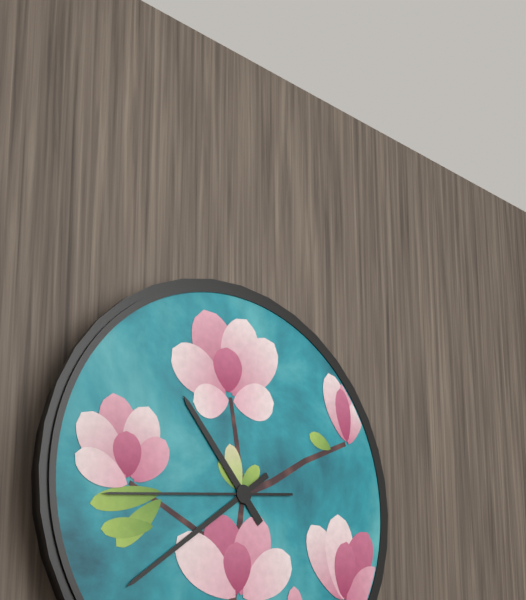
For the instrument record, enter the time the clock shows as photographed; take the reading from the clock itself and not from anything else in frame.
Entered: 10:39:44
